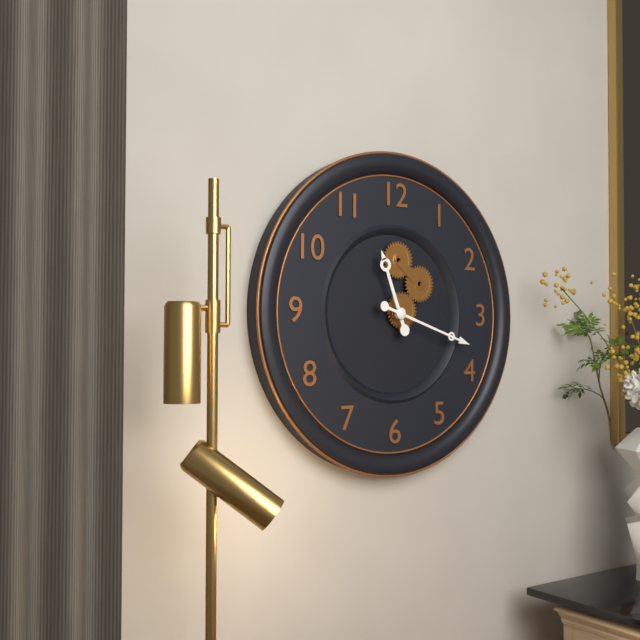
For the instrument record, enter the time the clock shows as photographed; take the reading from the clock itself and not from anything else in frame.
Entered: 11:18
